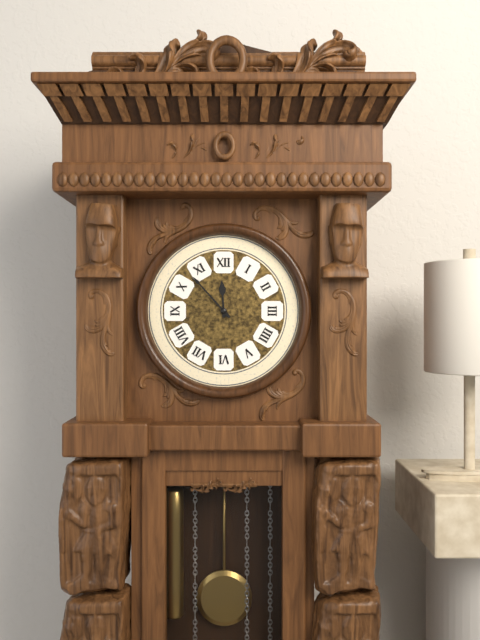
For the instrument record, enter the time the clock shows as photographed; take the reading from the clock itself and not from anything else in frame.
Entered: 11:53
